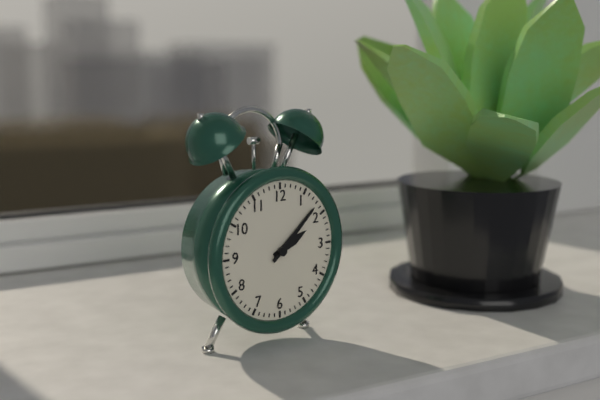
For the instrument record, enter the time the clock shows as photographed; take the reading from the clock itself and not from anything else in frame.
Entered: 2:08
